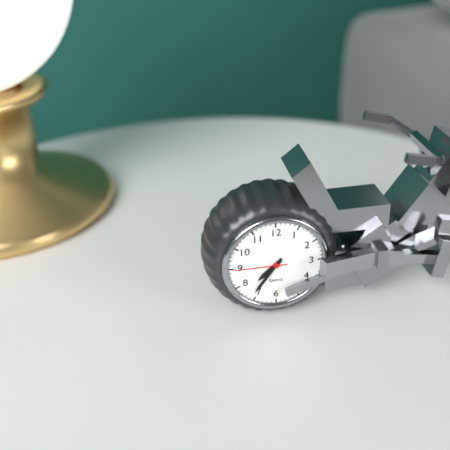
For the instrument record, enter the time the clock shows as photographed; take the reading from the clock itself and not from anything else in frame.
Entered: 7:36:45
